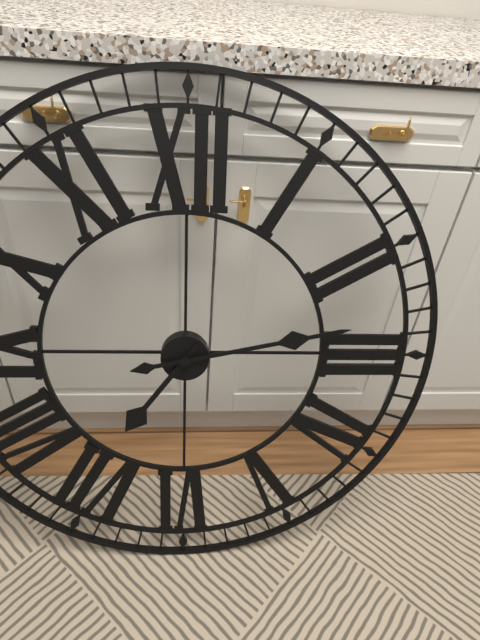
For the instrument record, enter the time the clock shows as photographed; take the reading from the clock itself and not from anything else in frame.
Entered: 7:13
